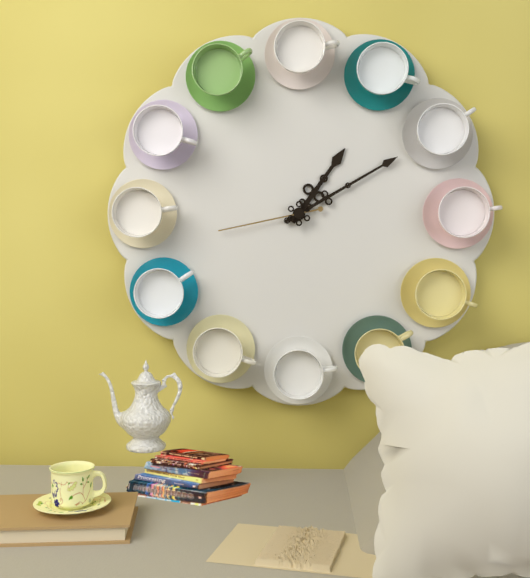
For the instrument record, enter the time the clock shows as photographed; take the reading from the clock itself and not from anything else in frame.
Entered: 1:10:43
